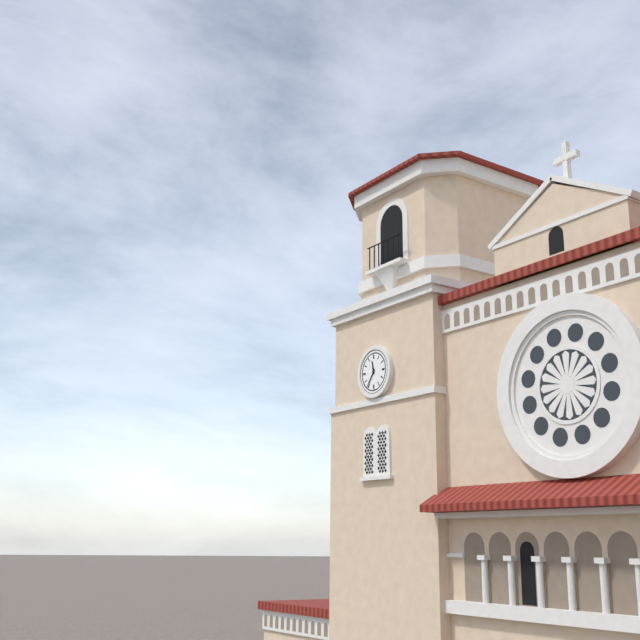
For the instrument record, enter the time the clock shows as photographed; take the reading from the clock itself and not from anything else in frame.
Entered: 11:36
